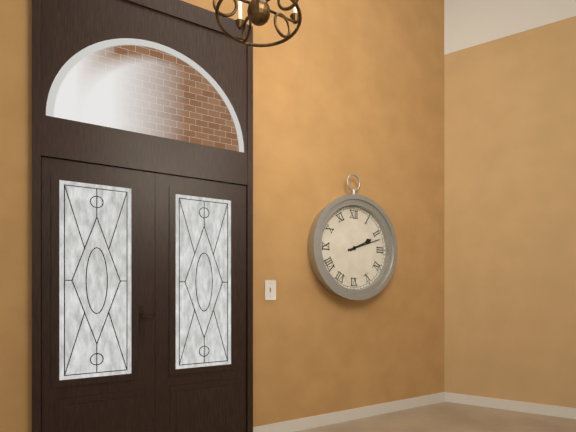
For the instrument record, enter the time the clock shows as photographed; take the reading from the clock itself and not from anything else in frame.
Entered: 2:12
